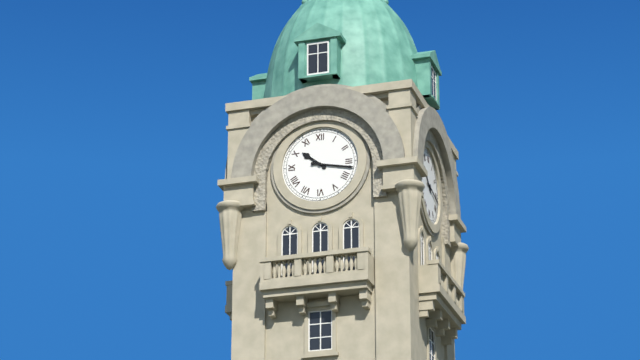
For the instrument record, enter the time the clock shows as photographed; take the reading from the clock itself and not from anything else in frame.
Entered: 10:17
